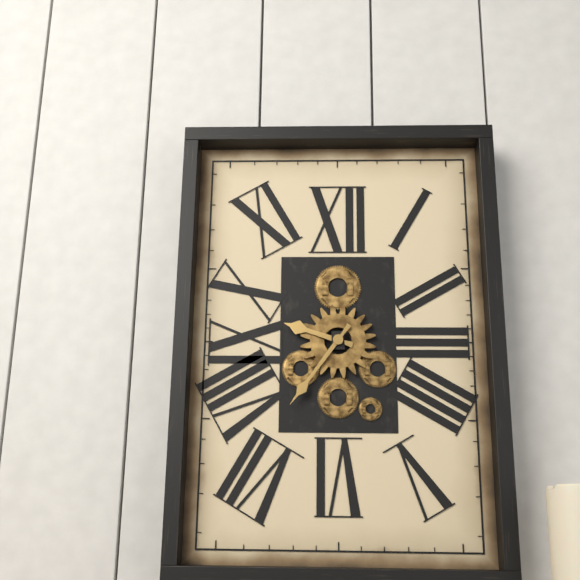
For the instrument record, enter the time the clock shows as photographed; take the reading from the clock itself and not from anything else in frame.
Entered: 9:36
